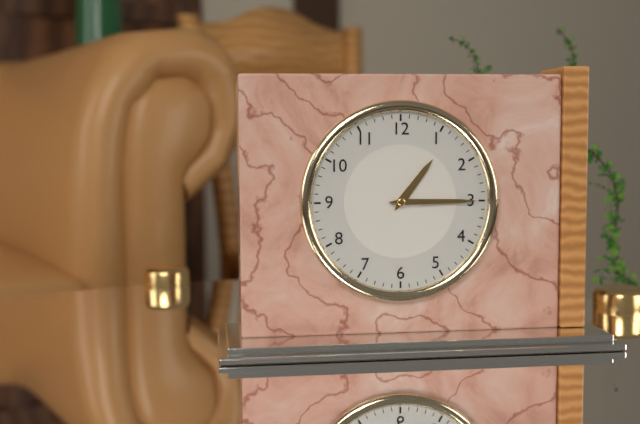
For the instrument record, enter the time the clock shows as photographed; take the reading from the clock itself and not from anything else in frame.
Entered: 1:15
